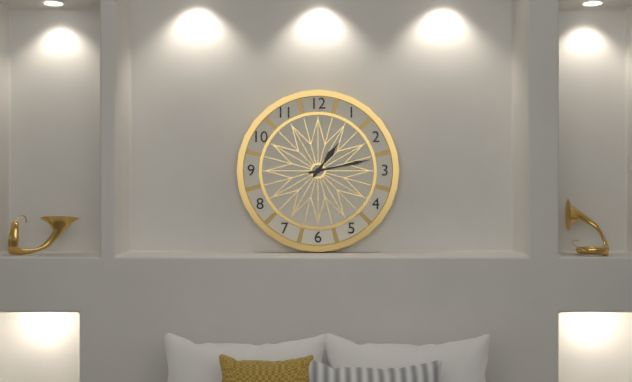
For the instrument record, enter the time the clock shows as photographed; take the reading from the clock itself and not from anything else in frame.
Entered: 1:13
